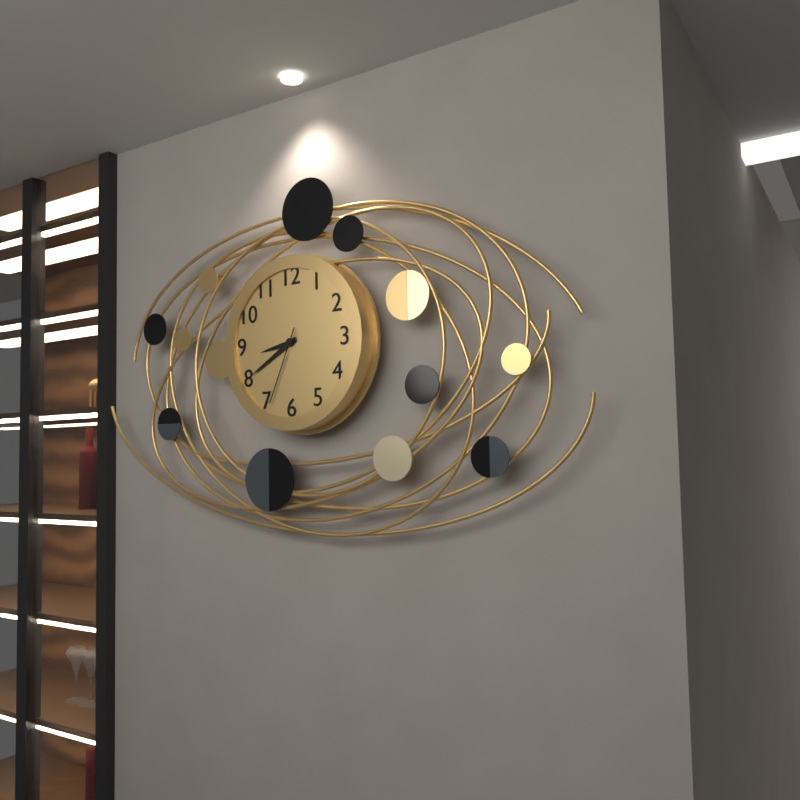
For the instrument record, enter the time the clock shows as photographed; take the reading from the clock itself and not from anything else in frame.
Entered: 8:40:34
